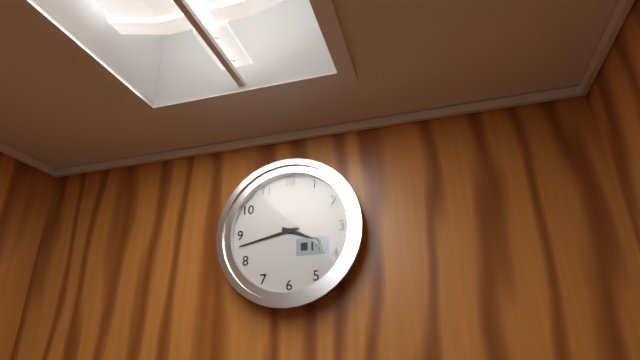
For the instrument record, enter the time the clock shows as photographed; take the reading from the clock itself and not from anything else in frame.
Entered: 3:43
